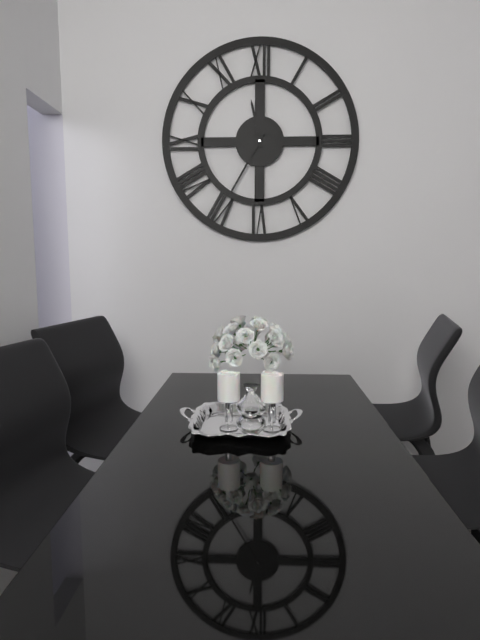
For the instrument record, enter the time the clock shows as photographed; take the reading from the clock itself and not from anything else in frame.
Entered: 11:35
